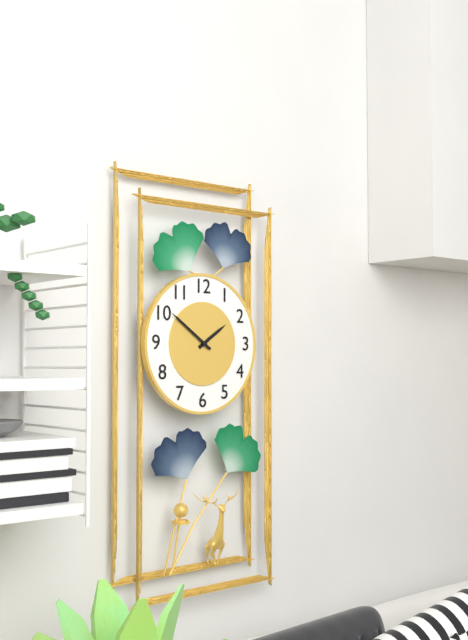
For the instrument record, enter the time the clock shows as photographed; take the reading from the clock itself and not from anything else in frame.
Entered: 1:51
